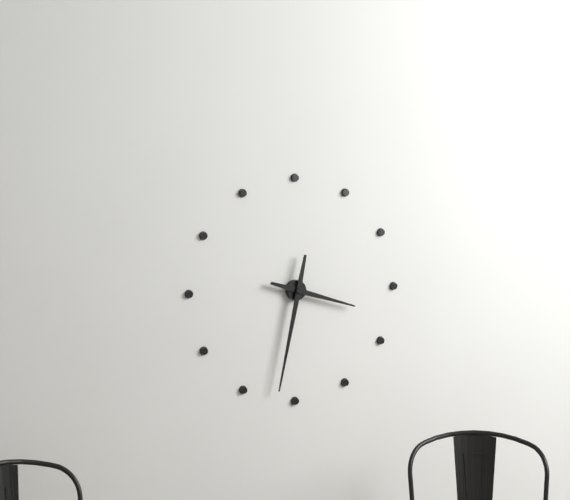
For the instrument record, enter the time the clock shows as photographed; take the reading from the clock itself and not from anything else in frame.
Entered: 3:32
